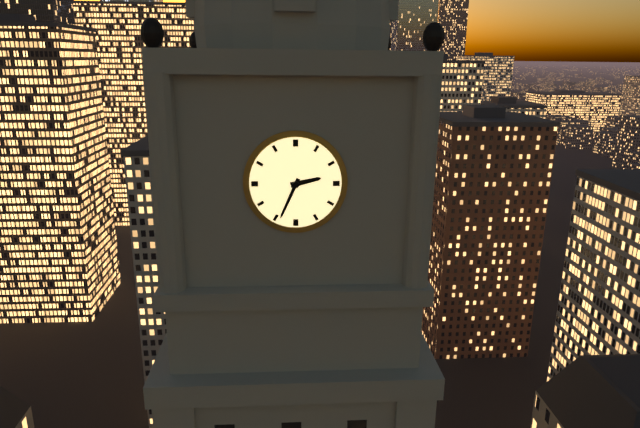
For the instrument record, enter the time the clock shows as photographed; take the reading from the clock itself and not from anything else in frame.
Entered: 2:34
